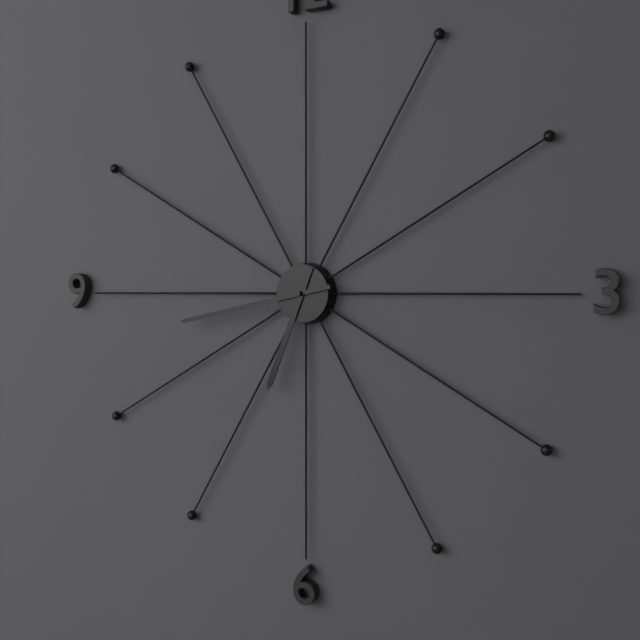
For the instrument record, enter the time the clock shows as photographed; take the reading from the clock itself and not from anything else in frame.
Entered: 6:43
